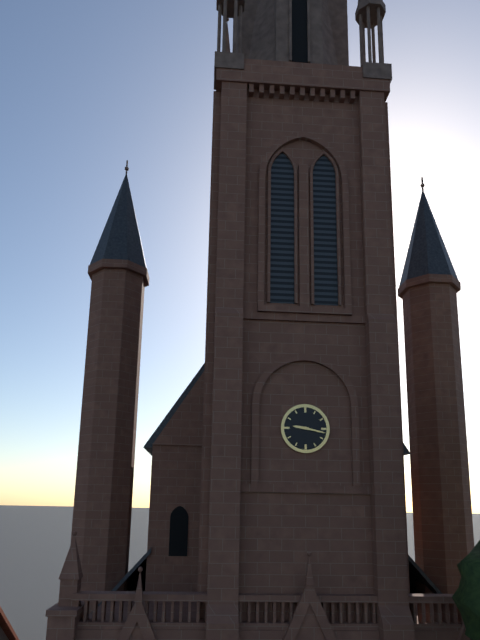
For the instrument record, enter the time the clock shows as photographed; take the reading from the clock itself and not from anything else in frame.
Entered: 9:17
